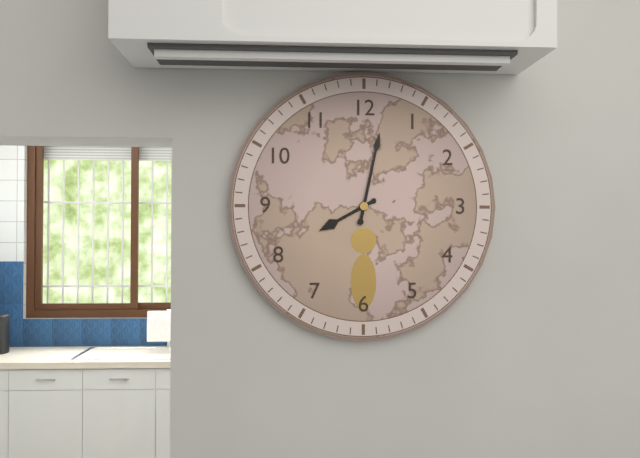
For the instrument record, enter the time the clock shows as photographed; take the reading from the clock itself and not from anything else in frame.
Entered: 8:02
